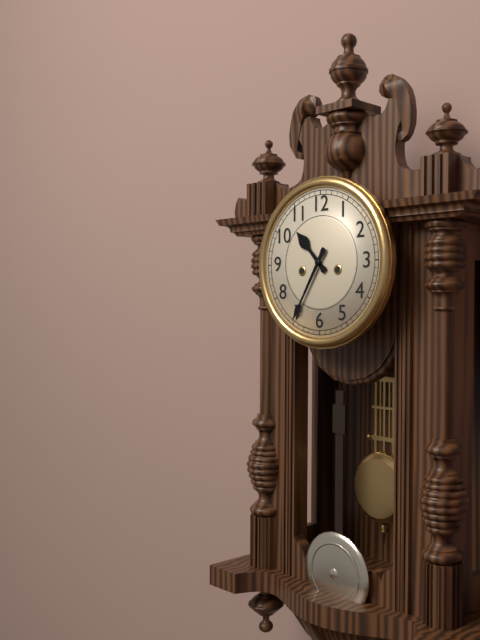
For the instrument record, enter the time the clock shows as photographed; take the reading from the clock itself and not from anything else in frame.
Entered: 10:35
